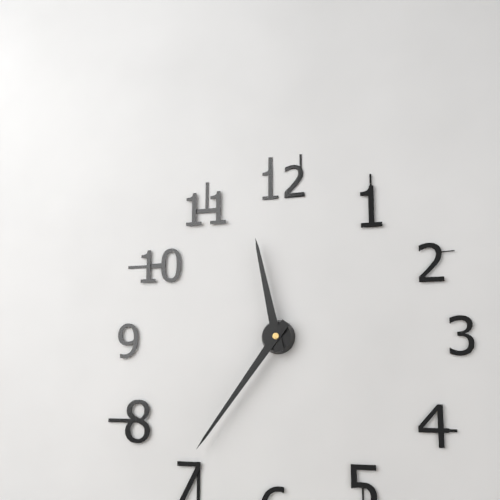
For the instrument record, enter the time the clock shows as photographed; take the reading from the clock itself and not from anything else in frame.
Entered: 11:36
